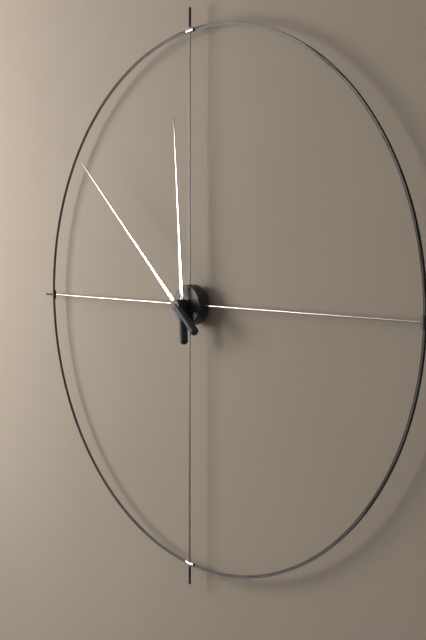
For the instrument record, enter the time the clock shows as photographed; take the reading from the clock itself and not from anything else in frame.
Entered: 11:52
